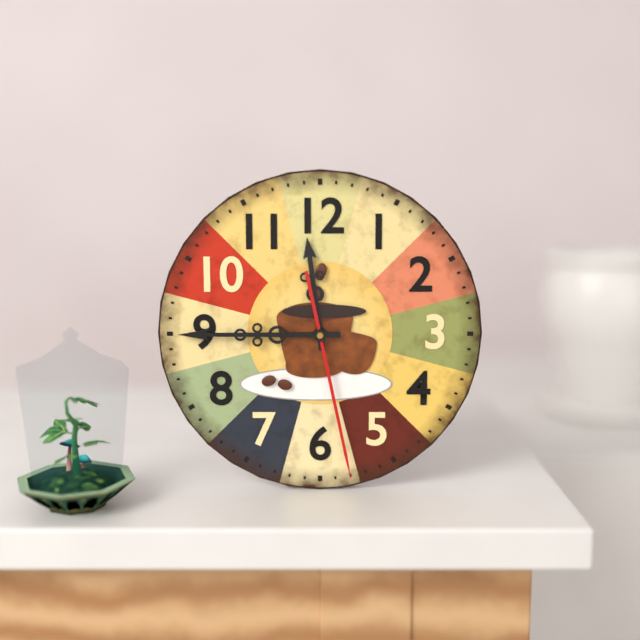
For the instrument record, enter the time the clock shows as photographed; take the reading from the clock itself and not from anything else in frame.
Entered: 11:45:28
